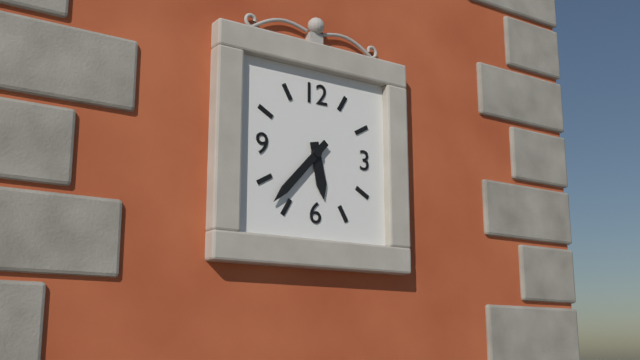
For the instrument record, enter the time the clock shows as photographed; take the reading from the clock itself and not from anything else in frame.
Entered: 5:37
